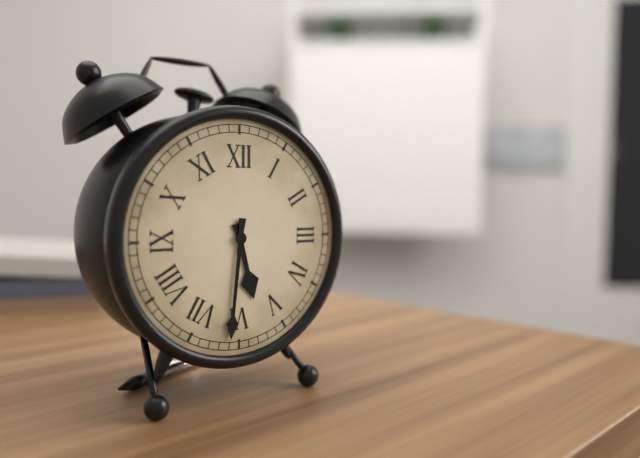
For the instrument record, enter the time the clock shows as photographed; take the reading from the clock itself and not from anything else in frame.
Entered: 5:31
